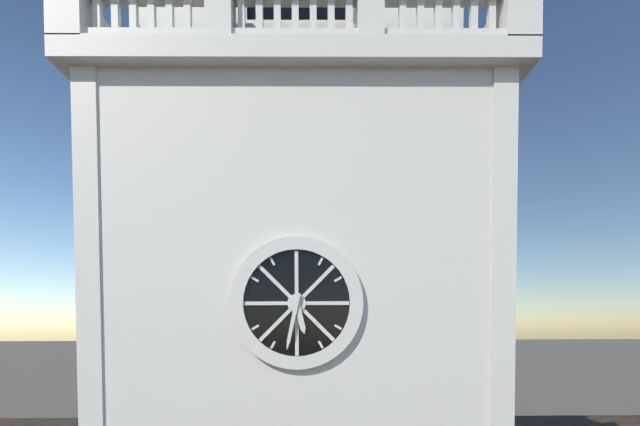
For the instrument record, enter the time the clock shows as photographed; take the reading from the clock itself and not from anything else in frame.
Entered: 5:32
